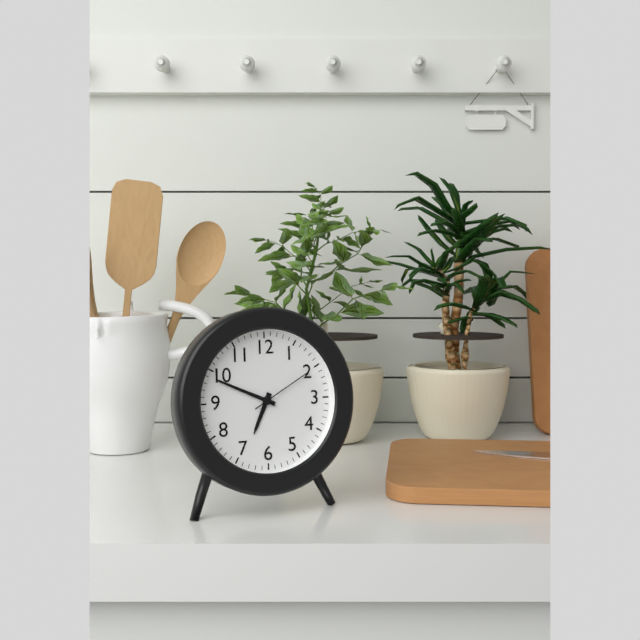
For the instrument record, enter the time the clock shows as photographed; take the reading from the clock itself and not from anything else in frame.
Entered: 6:49:10
